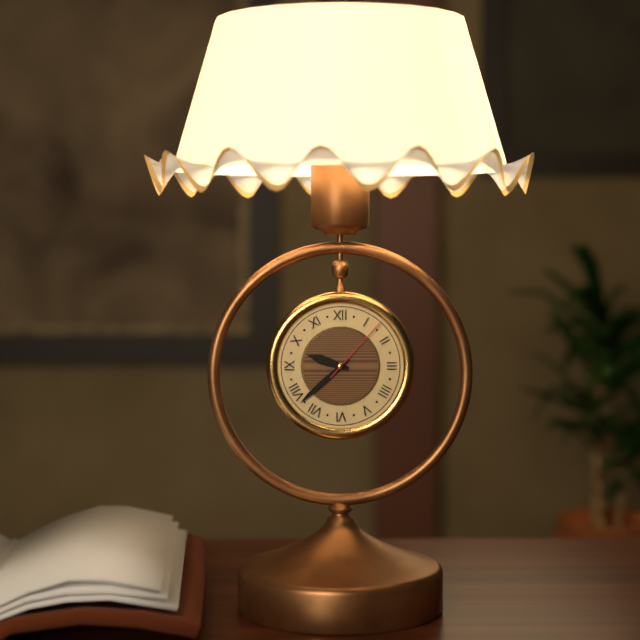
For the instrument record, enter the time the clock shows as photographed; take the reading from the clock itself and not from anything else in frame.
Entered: 9:38:07
